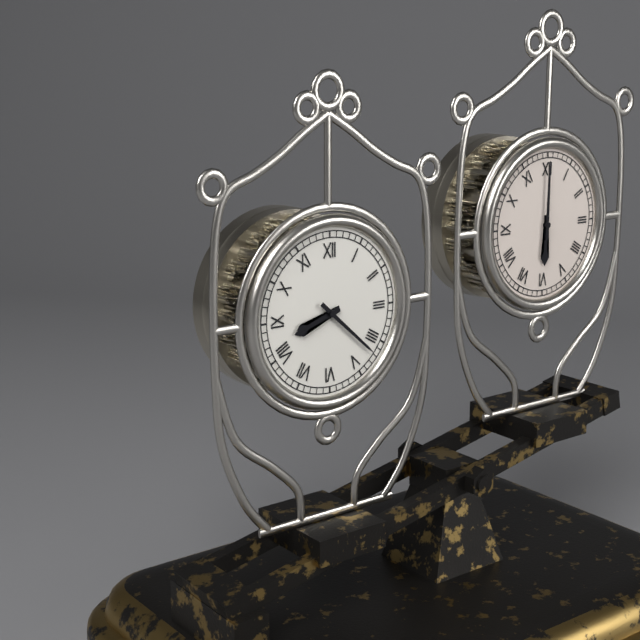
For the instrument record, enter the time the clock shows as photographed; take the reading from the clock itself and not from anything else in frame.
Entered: 8:22
